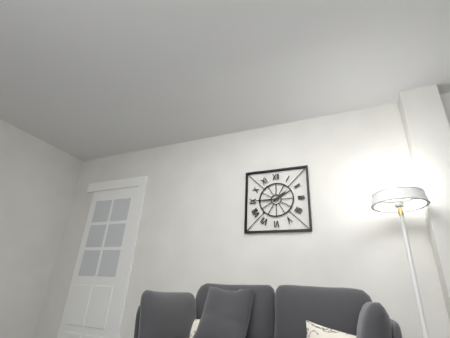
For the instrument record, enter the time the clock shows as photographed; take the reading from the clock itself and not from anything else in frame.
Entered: 1:45
